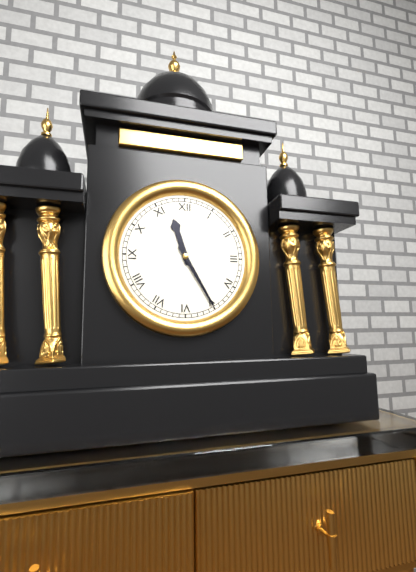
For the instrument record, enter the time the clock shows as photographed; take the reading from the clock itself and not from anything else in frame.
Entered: 11:25
